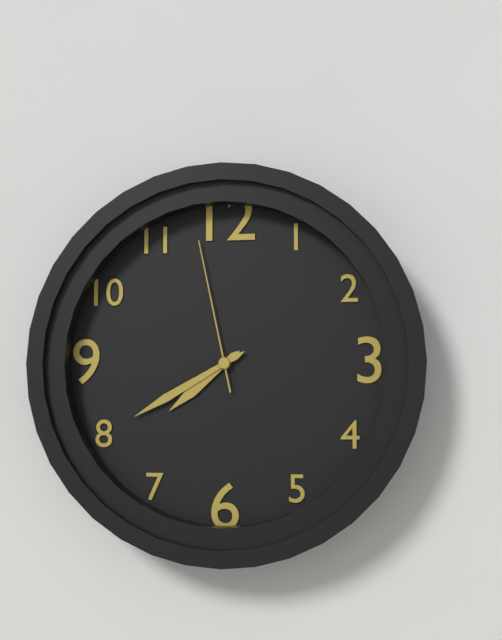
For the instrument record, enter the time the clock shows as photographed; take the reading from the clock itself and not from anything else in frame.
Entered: 7:40:58
